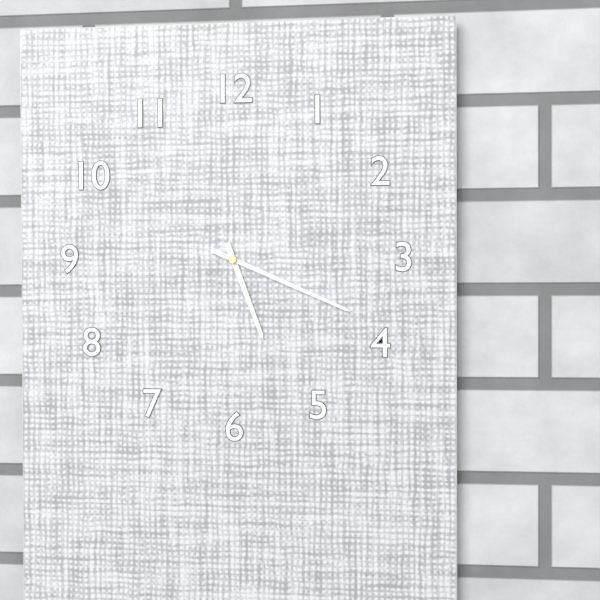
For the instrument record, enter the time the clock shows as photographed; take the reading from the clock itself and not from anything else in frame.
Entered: 5:19
